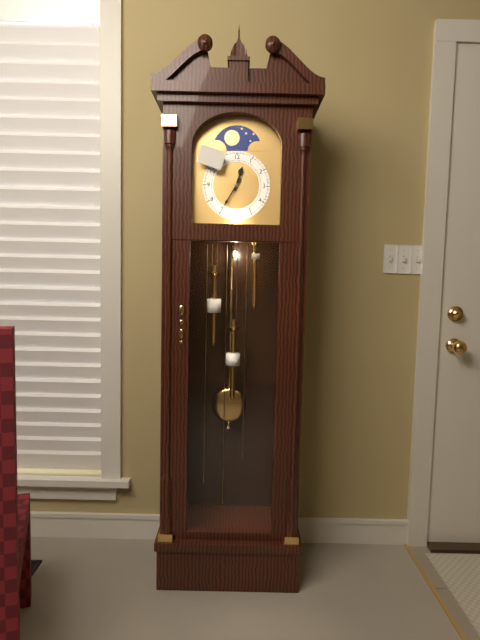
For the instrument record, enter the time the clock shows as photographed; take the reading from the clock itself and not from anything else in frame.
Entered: 12:35
